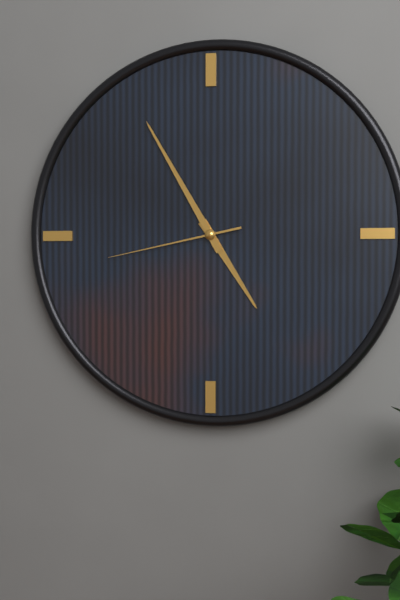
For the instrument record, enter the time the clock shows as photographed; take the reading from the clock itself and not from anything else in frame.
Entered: 4:55:43
